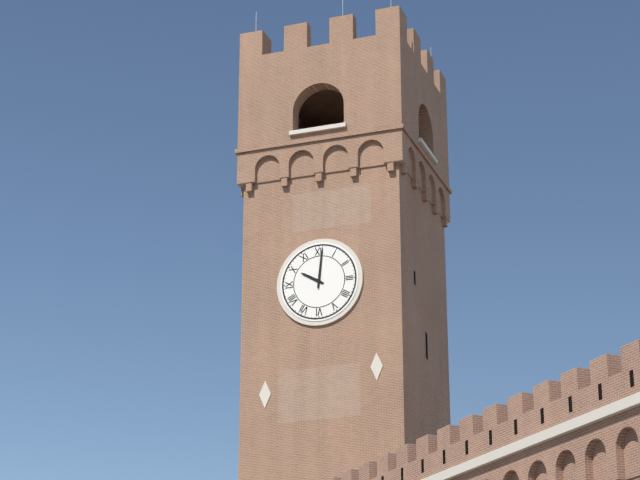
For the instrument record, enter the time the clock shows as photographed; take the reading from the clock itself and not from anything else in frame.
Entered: 10:01
